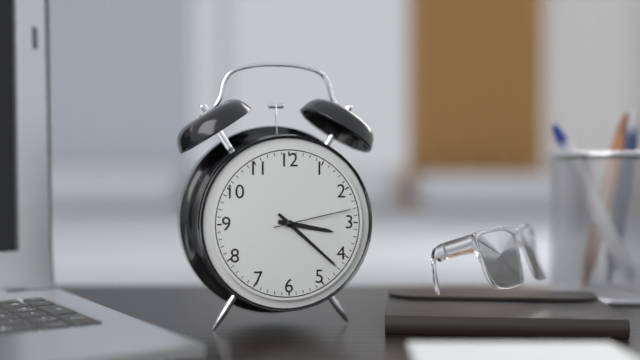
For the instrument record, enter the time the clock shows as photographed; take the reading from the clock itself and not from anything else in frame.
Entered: 3:22:13
